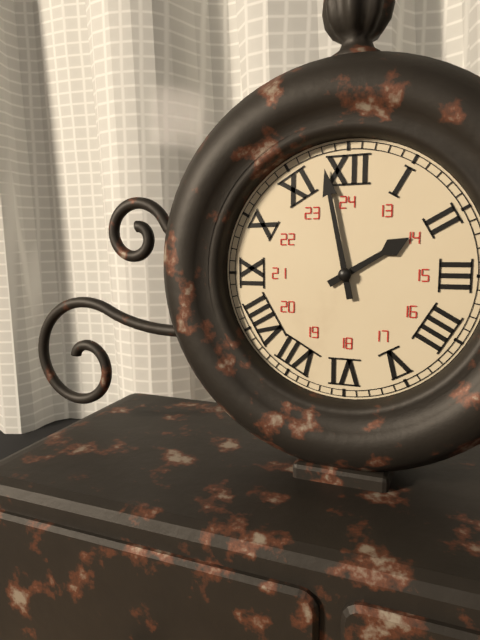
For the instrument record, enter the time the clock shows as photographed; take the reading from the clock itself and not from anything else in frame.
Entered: 1:58
